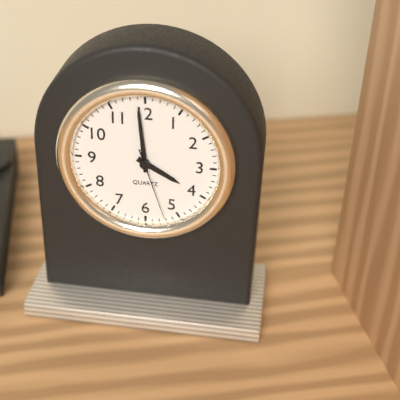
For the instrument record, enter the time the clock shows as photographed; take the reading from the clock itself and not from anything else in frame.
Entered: 3:59:27
